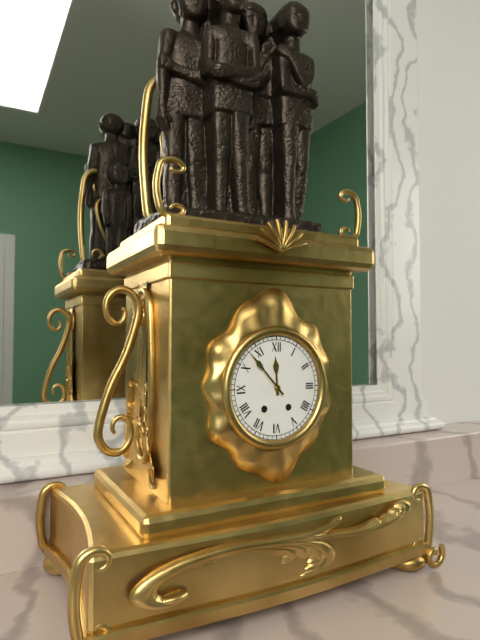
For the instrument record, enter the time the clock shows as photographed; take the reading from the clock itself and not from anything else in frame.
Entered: 11:53
